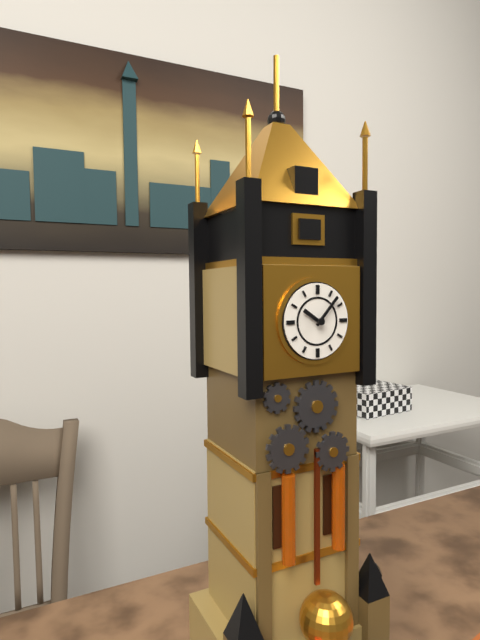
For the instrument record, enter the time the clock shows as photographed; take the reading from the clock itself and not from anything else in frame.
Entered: 10:07
